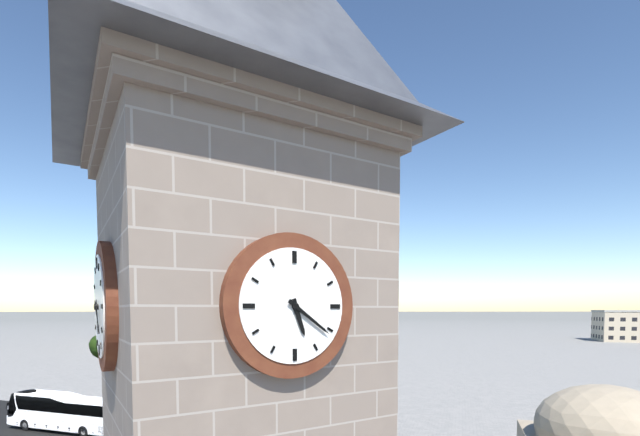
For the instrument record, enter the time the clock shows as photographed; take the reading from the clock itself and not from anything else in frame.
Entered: 5:21
